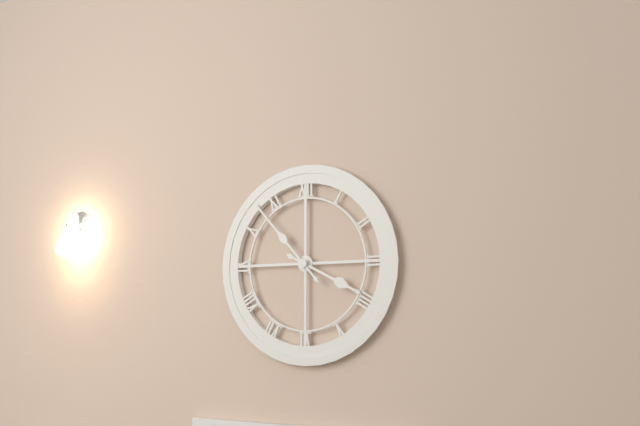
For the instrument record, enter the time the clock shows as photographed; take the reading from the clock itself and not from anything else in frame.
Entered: 3:53
